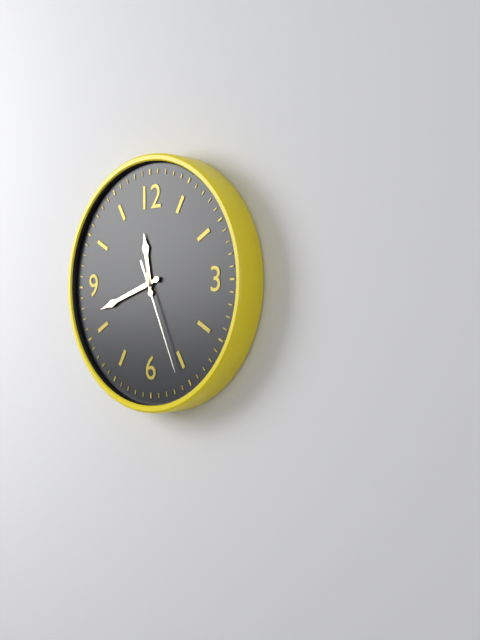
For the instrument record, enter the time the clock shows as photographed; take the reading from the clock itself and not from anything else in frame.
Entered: 11:42:26
